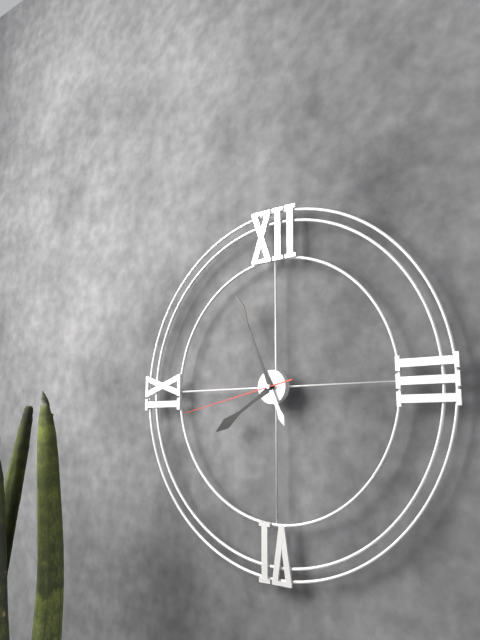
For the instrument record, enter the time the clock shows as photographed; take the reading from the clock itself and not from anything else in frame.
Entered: 7:56:43
